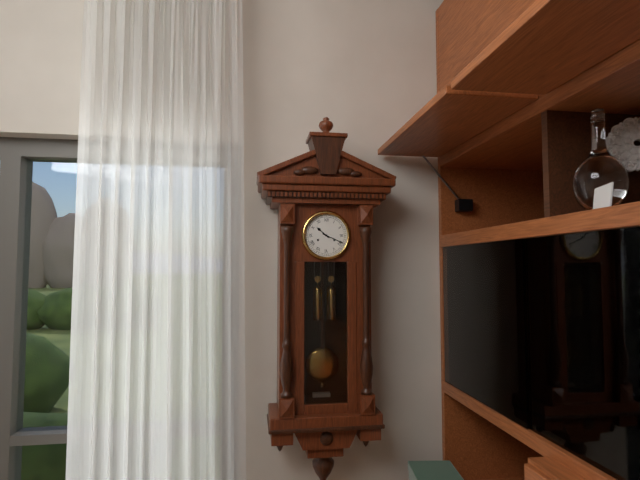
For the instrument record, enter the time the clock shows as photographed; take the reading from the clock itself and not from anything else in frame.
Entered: 10:19
